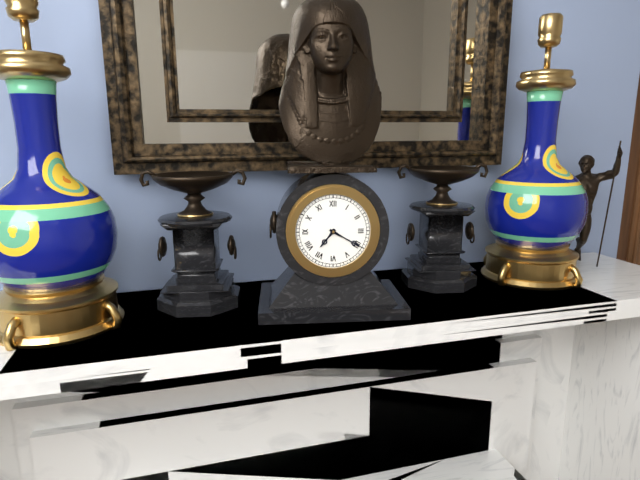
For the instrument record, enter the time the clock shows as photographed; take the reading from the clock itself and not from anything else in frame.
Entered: 7:20
